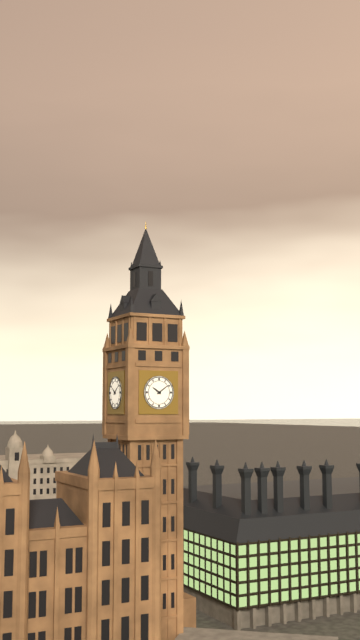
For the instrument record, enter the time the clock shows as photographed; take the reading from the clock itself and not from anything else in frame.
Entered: 10:09
